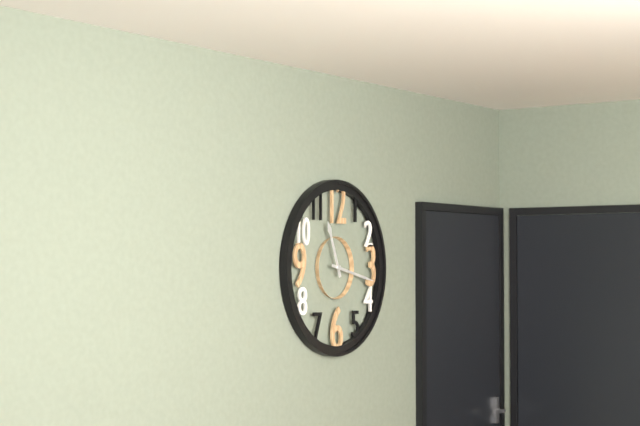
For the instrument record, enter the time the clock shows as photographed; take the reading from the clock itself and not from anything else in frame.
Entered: 11:17
